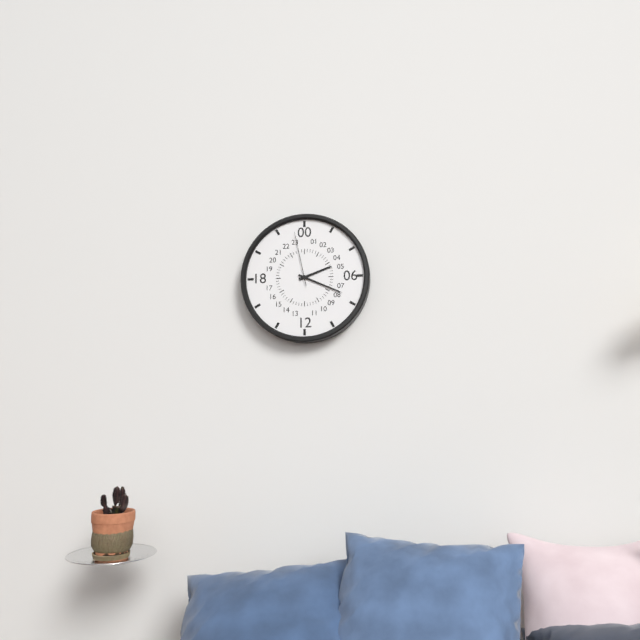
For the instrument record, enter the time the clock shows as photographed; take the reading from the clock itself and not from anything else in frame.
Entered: 2:19:58
